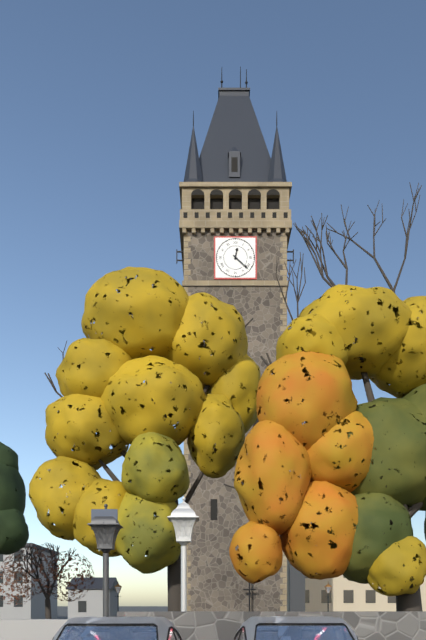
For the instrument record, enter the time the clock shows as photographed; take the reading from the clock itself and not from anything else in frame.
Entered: 12:22
